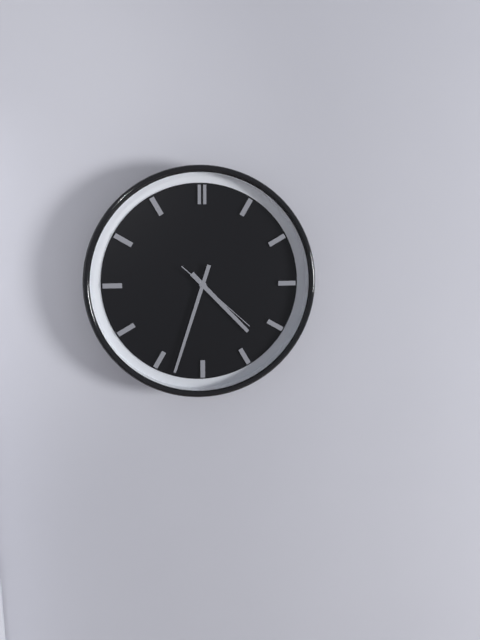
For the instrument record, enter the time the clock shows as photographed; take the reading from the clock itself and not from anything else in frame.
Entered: 4:33:22
